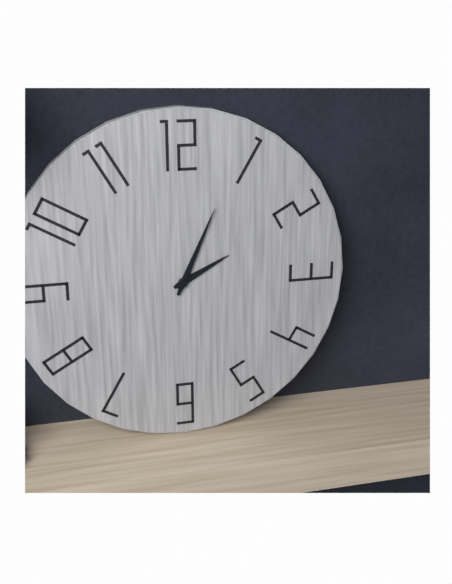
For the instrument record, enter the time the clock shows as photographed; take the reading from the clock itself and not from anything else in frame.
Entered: 2:04
